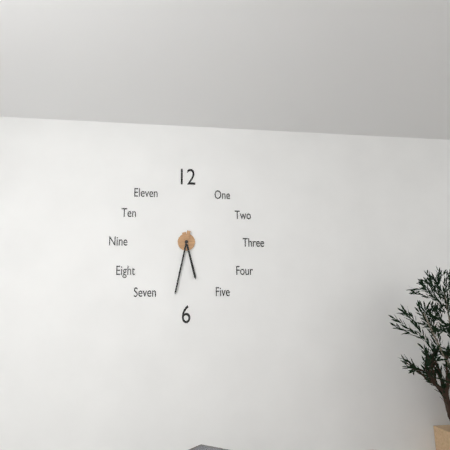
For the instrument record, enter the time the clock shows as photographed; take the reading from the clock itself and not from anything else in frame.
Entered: 5:32
